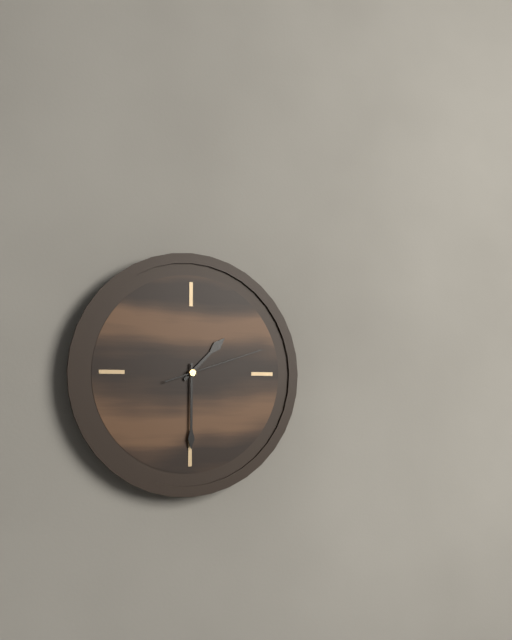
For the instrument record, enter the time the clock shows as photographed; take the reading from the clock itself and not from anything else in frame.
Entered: 1:30:12
